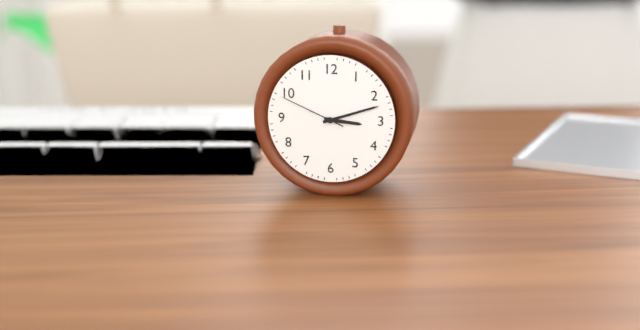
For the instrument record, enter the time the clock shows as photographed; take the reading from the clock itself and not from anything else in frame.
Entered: 3:12:49
